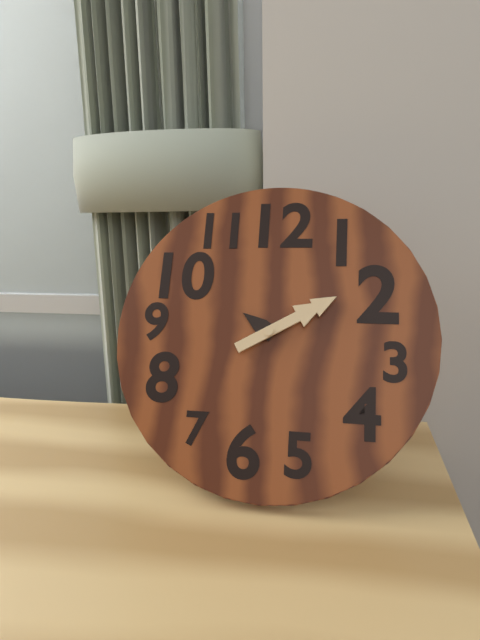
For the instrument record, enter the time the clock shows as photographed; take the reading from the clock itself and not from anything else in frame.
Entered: 10:10
